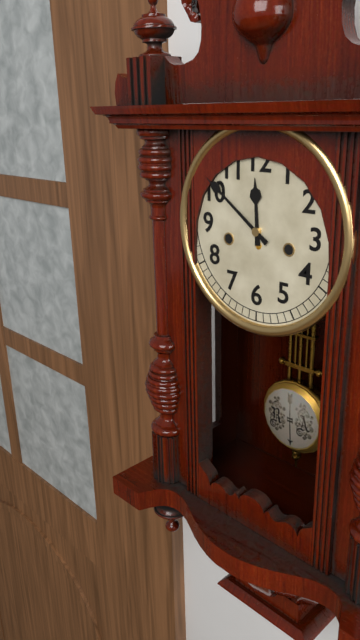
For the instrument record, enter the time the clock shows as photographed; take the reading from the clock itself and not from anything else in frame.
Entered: 11:51
